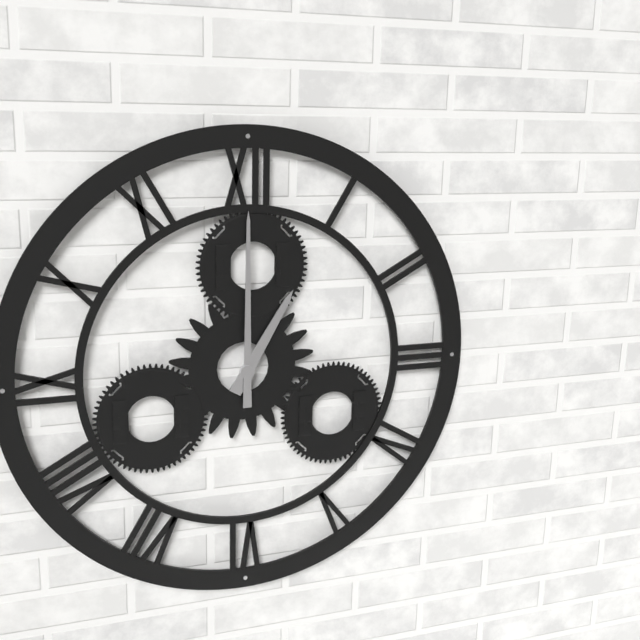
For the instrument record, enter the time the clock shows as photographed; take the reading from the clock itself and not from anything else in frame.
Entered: 1:00
